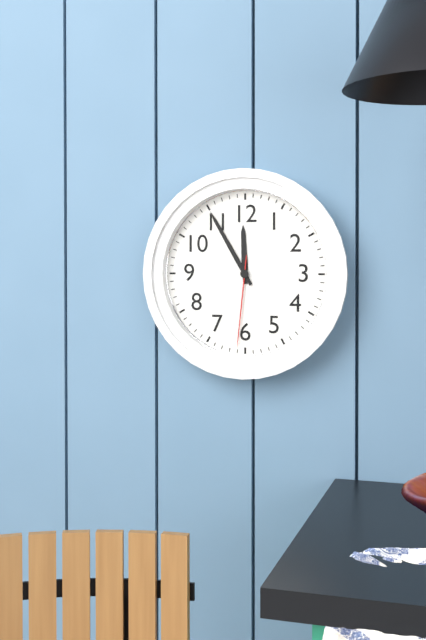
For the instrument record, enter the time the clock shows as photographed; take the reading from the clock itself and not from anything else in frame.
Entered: 11:55:31
